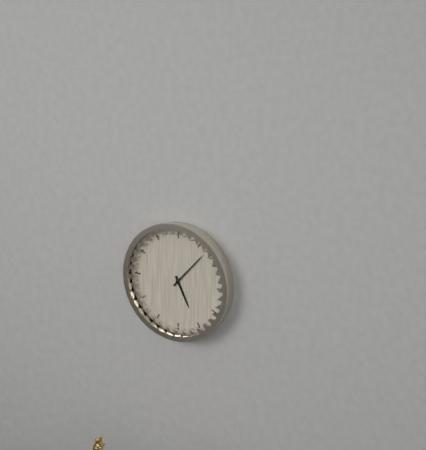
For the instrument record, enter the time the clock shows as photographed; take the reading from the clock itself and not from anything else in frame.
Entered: 5:07
